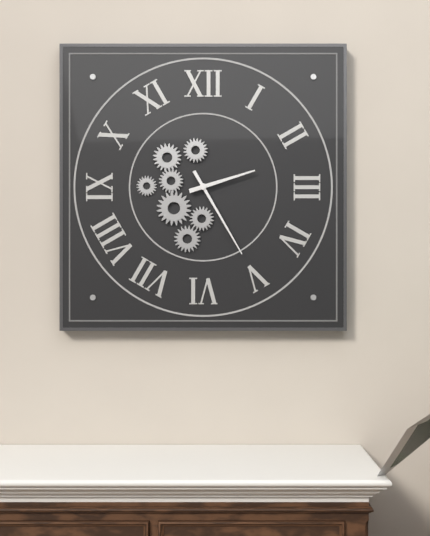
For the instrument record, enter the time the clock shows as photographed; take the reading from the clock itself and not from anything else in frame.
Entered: 2:25
